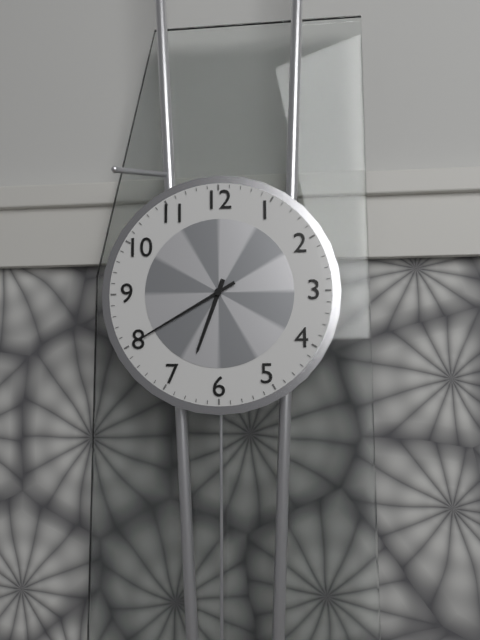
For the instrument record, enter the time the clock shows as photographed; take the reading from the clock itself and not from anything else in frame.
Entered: 6:40
